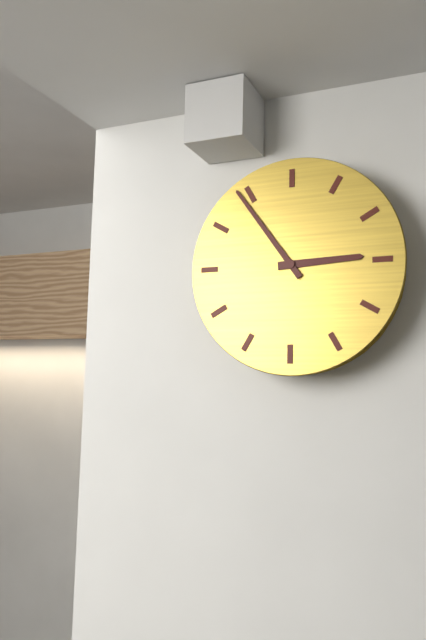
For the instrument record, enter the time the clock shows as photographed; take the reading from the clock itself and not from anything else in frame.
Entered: 2:54
